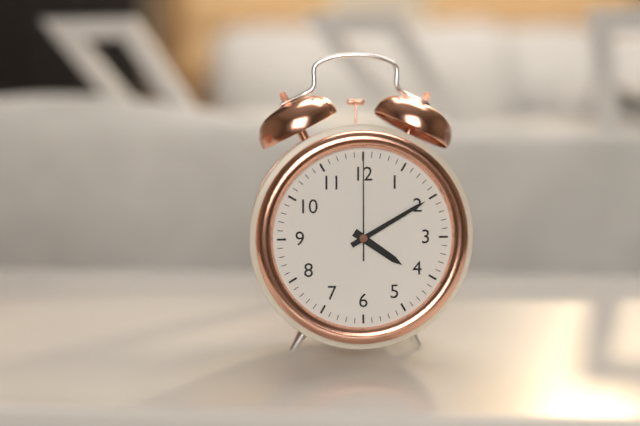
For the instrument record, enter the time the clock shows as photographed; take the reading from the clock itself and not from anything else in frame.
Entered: 4:10:00
